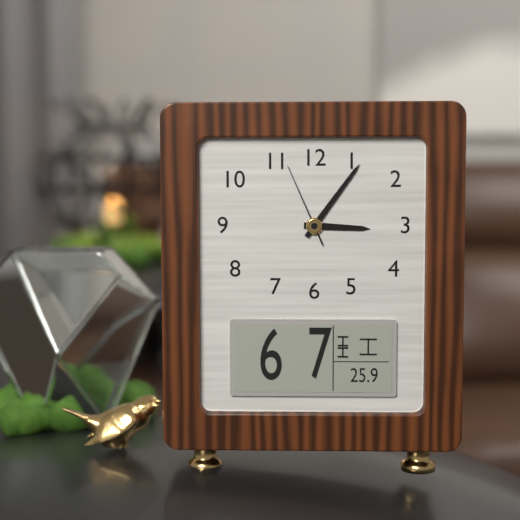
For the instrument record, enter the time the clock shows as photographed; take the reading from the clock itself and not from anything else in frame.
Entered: 3:06:56
